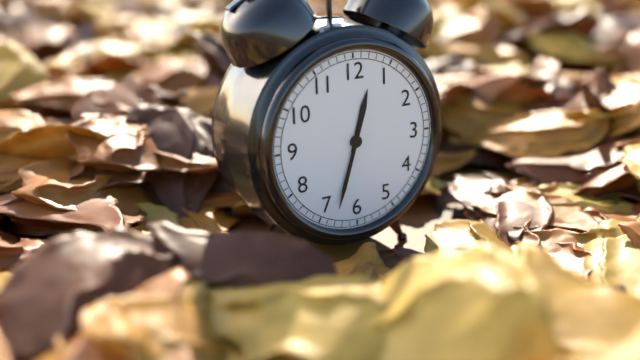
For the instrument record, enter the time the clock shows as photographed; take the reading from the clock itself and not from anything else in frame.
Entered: 12:33
